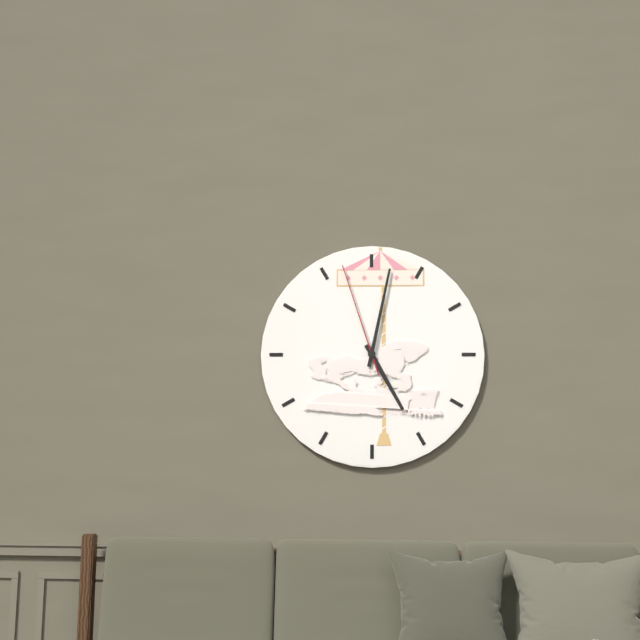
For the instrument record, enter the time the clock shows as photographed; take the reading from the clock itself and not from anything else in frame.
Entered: 5:02:57
